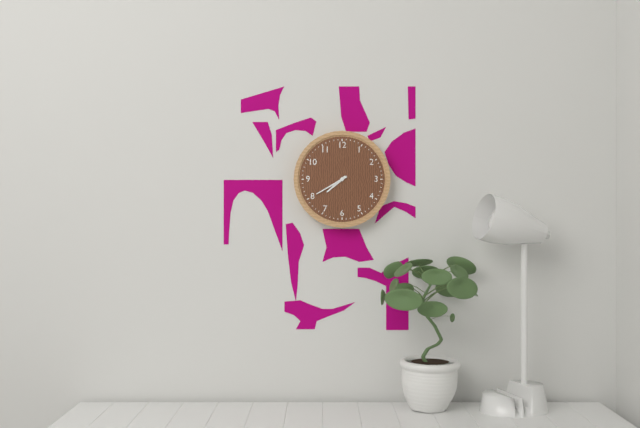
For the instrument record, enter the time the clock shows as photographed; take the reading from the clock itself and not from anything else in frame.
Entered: 7:40
